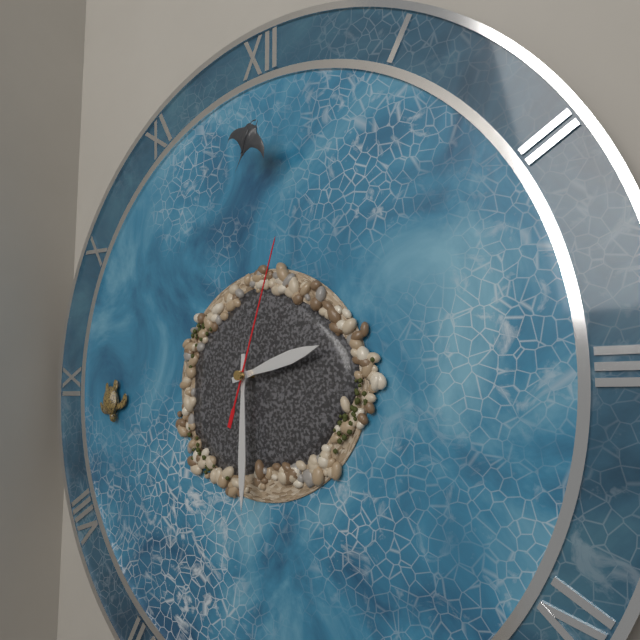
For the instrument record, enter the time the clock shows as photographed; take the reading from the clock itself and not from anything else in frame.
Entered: 2:30:03
